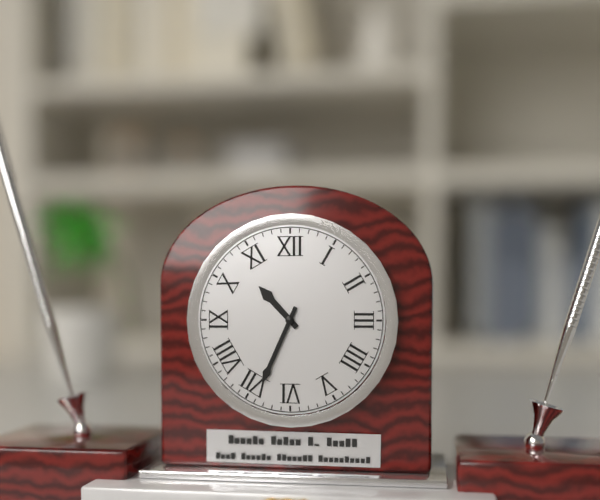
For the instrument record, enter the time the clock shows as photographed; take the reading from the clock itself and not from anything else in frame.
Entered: 10:34
